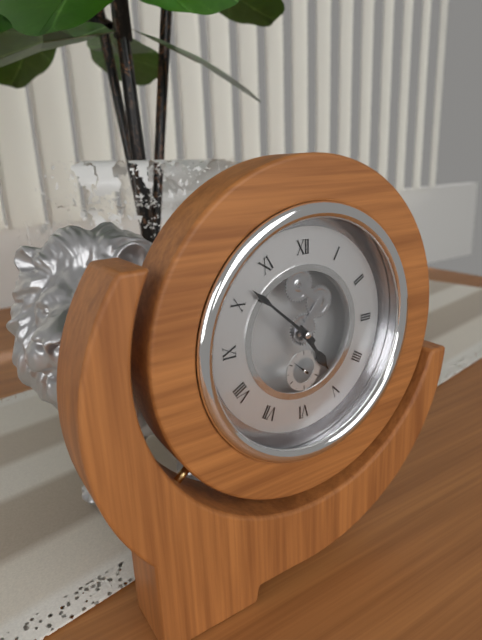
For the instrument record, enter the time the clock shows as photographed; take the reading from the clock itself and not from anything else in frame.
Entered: 4:52
